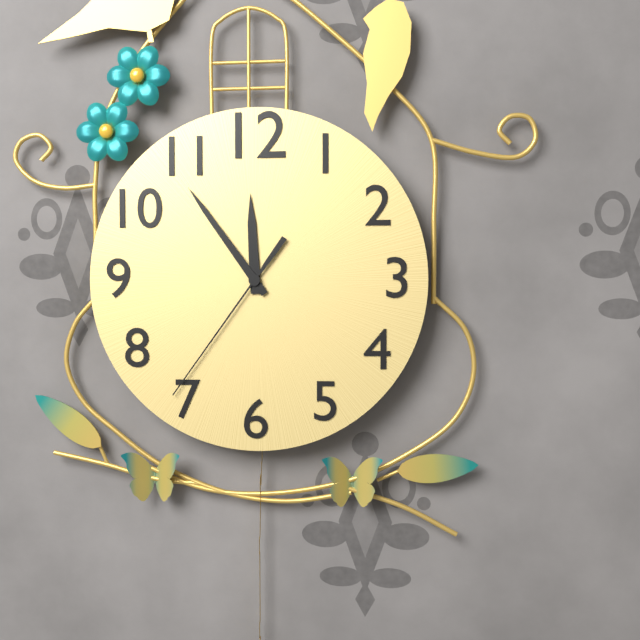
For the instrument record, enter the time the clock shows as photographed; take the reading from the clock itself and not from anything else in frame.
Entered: 11:54:36
